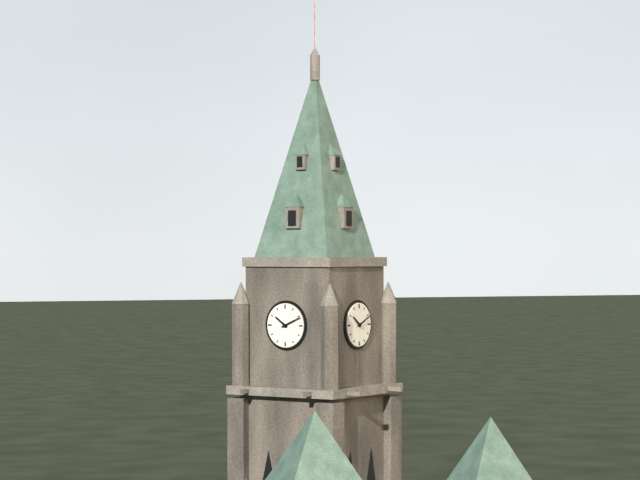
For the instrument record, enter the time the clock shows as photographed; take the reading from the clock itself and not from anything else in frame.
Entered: 10:11
